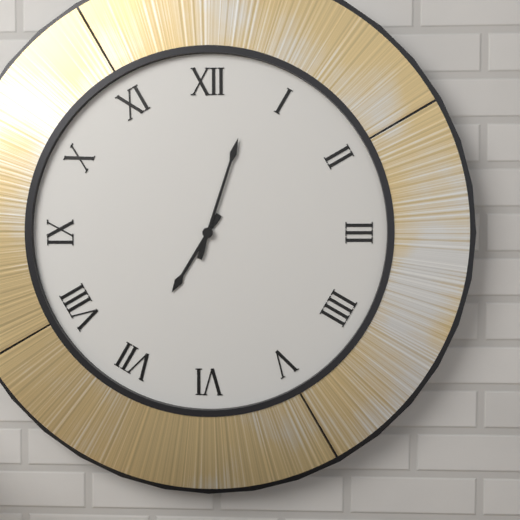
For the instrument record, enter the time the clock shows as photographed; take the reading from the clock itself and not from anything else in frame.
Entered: 7:03
